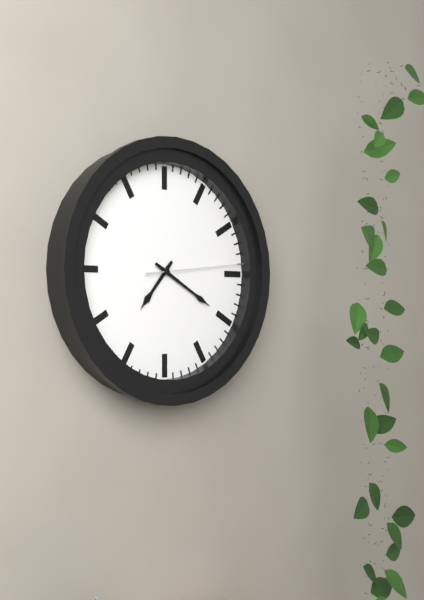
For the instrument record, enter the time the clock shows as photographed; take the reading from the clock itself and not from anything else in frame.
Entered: 7:20:14
